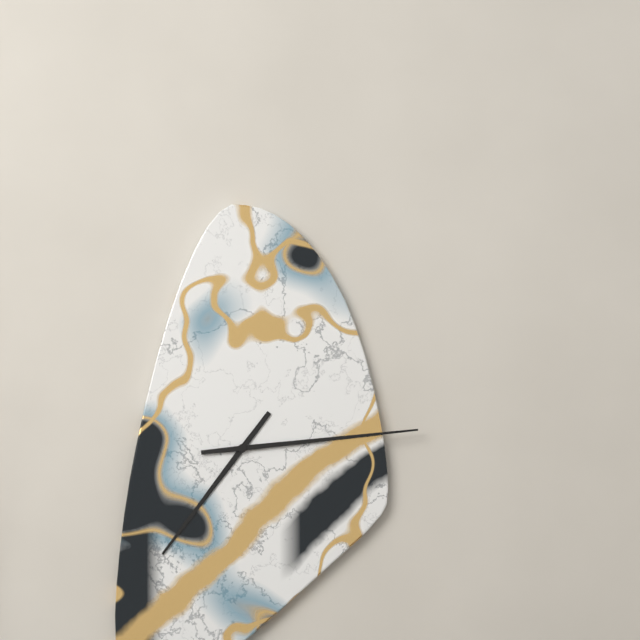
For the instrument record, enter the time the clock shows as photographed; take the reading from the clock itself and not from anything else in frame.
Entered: 7:14
